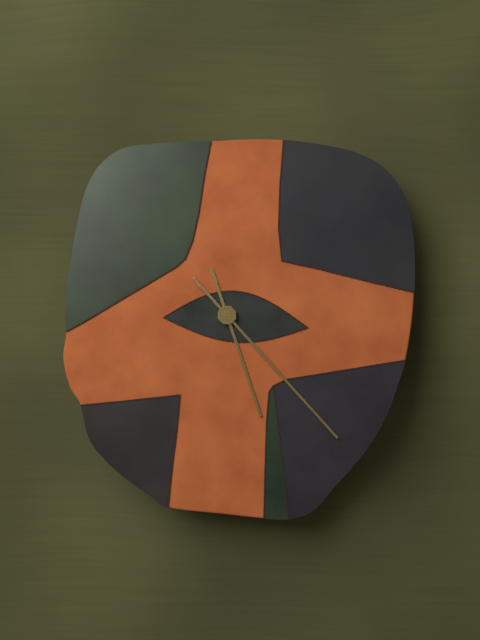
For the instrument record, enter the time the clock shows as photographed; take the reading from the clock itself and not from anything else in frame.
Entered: 5:23
